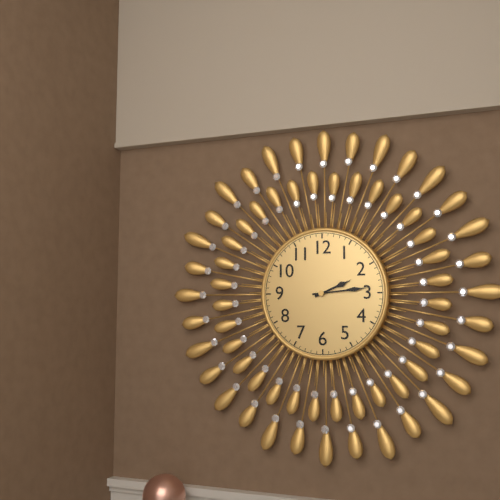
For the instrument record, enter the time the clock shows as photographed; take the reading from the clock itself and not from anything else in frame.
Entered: 2:14
